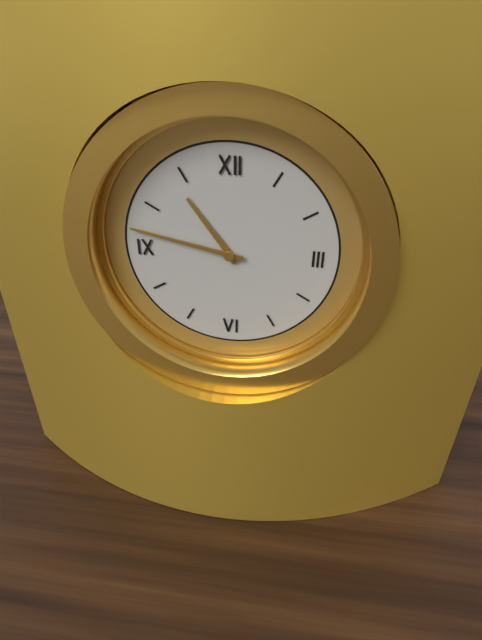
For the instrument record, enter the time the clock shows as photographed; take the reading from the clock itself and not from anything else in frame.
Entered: 10:47
